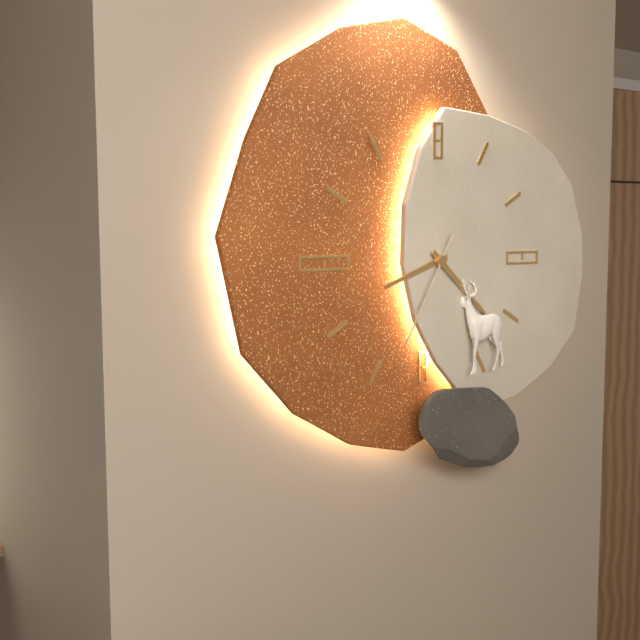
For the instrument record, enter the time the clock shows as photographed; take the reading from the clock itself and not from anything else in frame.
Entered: 8:22:35
